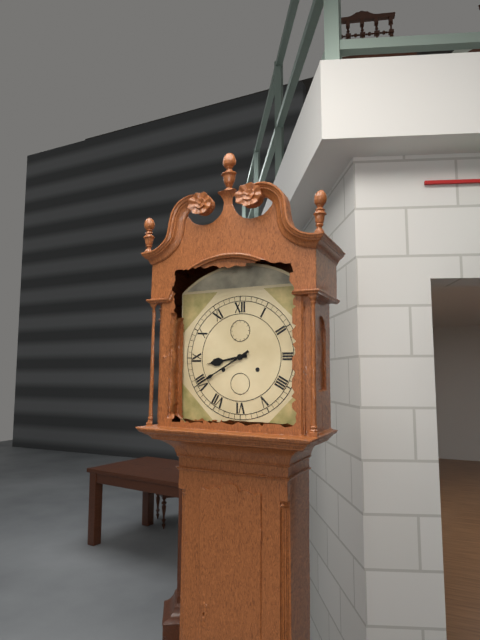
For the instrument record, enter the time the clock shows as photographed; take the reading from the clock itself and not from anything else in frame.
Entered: 8:40
